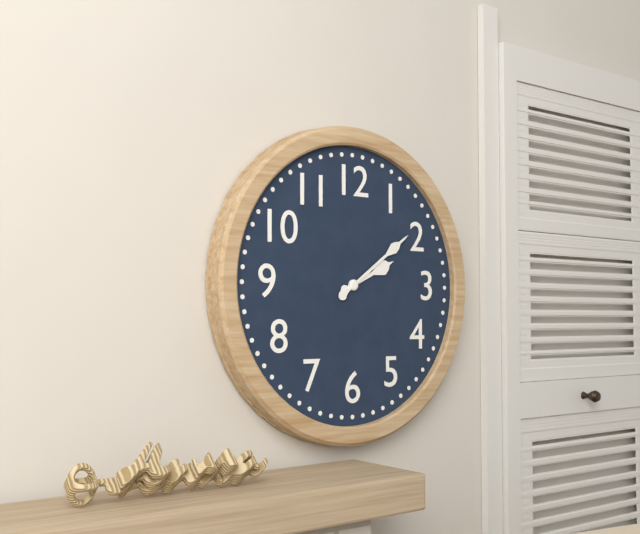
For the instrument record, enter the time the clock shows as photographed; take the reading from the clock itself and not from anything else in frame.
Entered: 2:09
